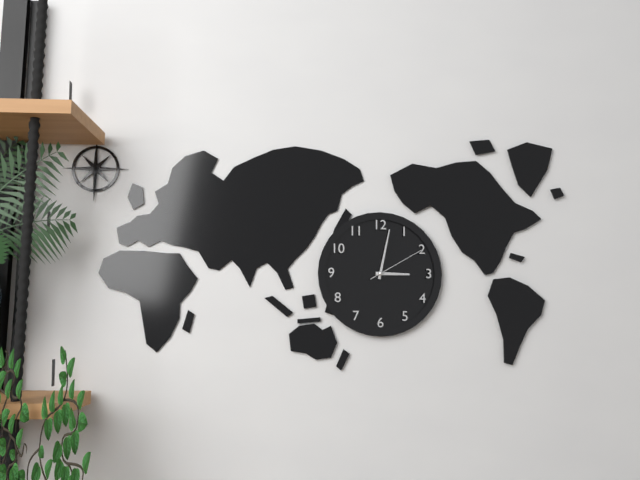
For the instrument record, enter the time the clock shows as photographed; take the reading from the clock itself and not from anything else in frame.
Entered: 3:02:10
